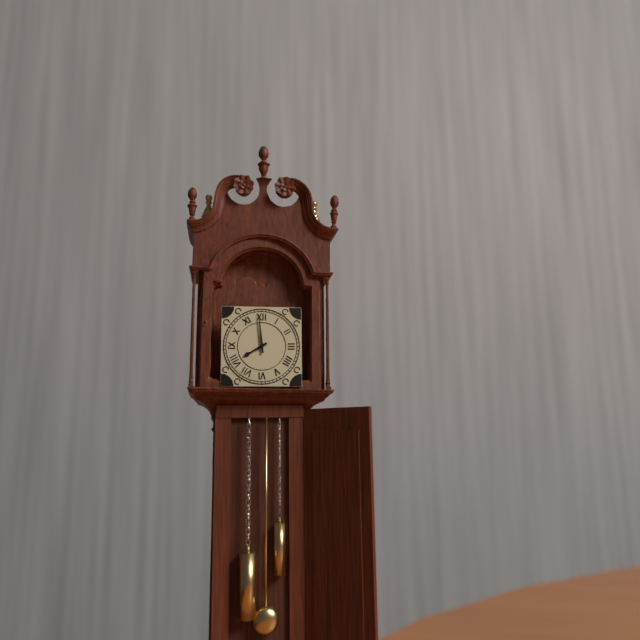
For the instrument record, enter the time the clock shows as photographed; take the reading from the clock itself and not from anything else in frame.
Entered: 7:59
